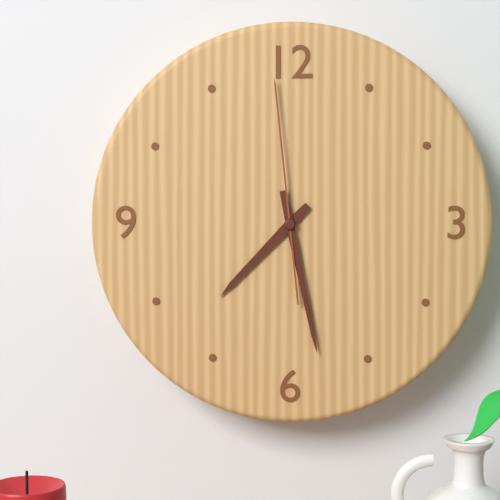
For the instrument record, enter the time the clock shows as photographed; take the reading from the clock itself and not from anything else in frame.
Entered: 7:28:59
